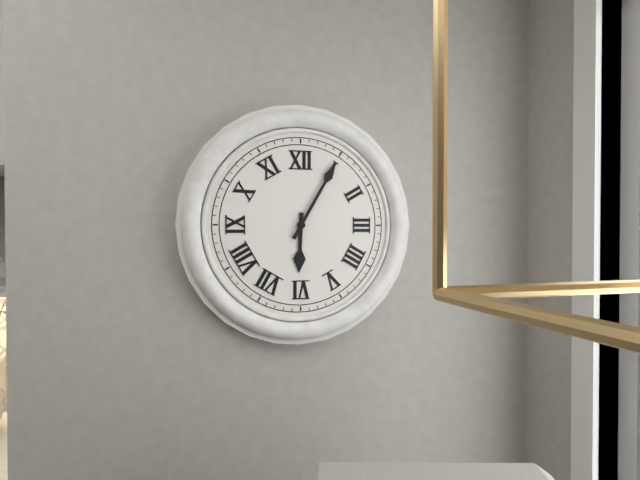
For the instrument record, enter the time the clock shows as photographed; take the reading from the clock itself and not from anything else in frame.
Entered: 6:05
